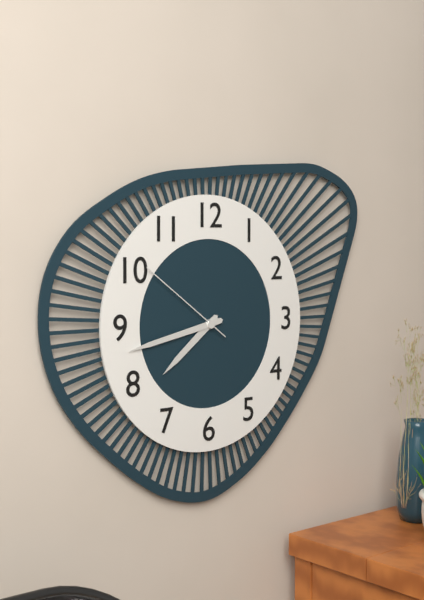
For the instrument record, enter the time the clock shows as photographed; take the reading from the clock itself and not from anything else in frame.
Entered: 7:43:51
